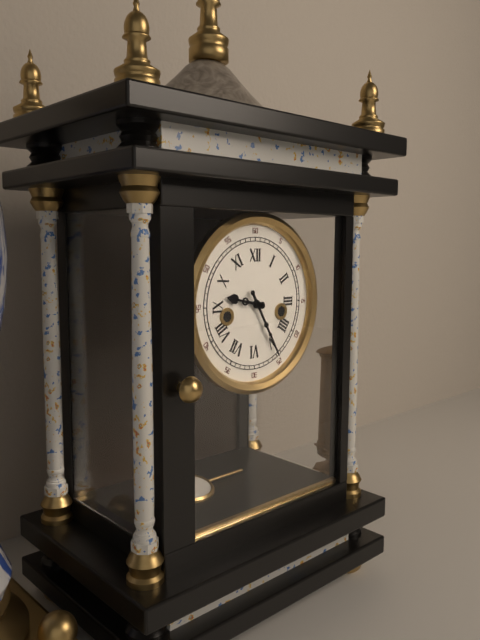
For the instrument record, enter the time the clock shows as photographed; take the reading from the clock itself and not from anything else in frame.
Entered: 9:25
